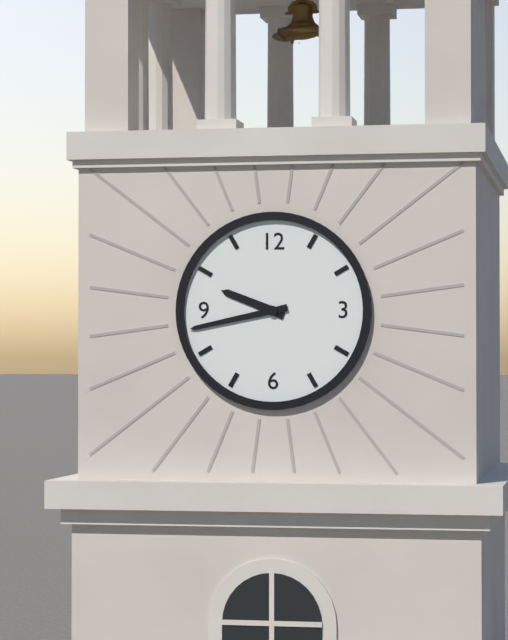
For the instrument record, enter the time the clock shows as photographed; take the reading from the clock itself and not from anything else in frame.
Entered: 9:43
